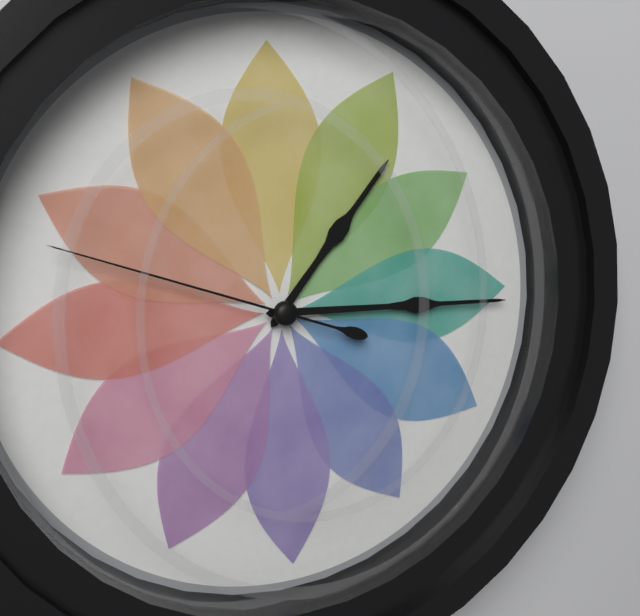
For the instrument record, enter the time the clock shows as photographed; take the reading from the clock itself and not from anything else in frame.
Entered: 1:15:48
